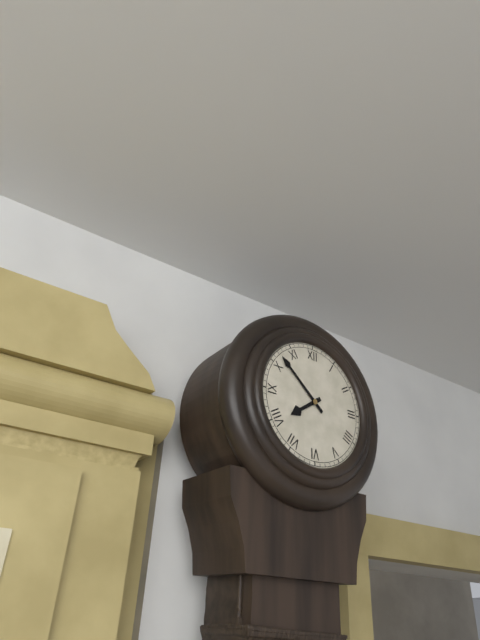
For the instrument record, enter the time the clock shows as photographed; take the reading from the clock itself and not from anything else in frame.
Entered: 7:52
